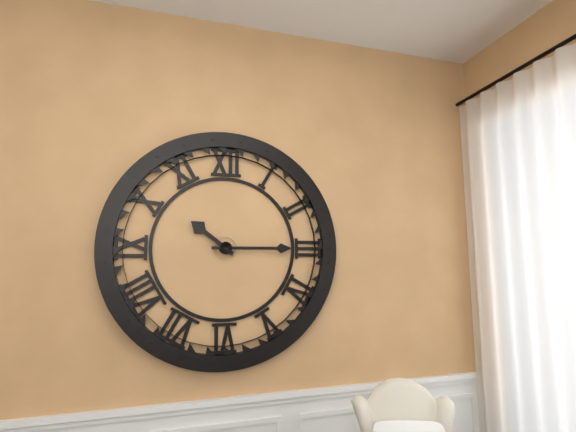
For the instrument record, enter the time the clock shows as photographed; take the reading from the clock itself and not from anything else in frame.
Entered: 10:15
